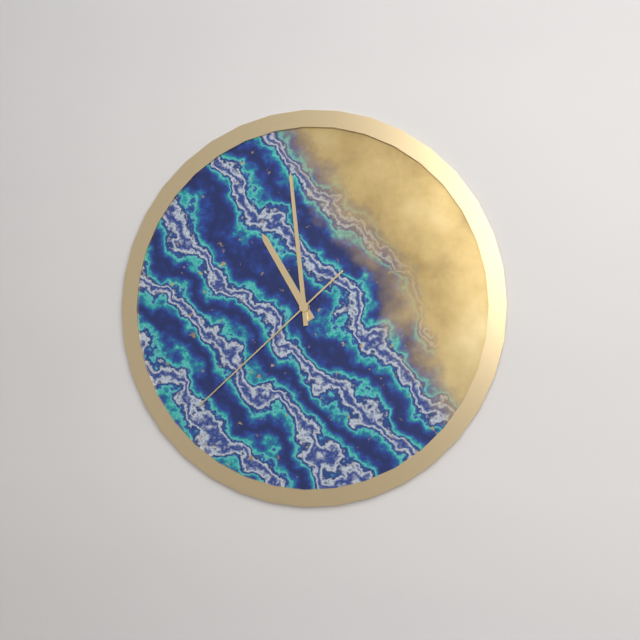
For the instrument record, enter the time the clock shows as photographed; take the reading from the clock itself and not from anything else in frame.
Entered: 10:59:38
